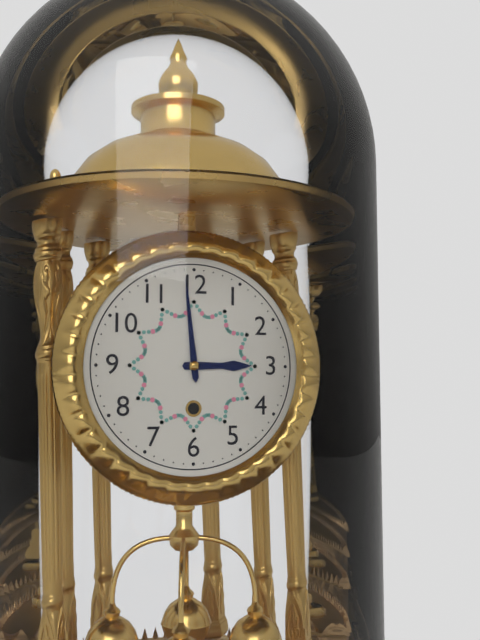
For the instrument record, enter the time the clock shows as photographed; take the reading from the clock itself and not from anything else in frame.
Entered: 2:59
